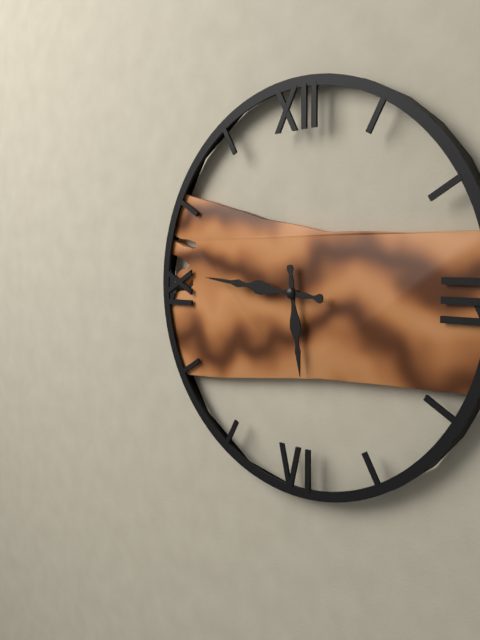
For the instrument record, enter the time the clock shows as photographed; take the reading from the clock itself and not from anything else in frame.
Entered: 5:46
